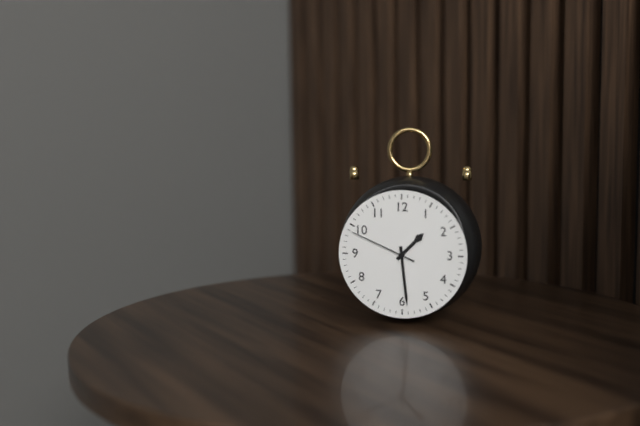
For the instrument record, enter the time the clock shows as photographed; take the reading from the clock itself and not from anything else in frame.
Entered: 1:29:49
